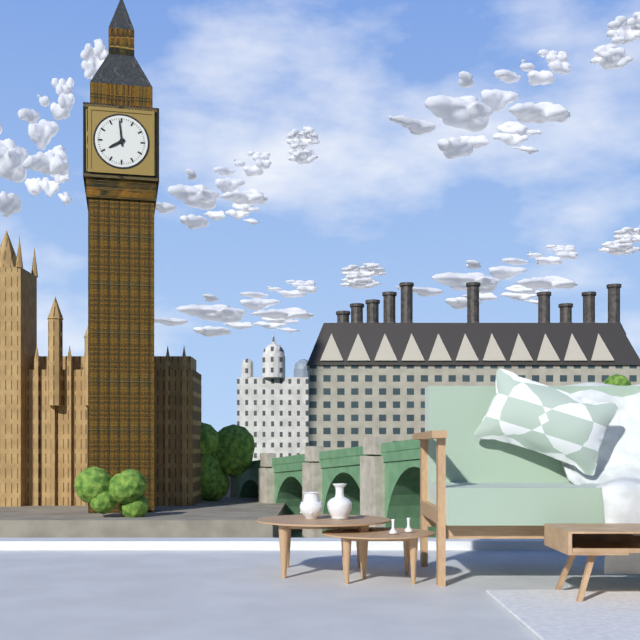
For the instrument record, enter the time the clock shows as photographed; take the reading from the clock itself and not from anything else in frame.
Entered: 7:59
